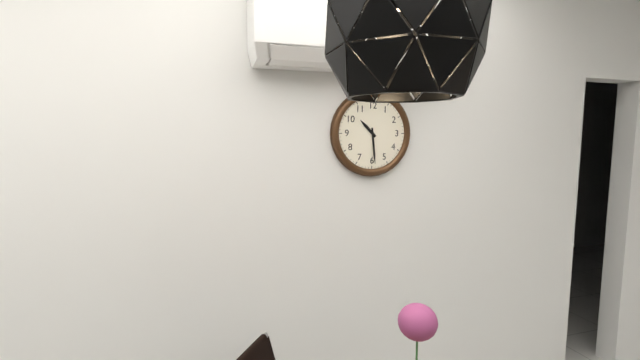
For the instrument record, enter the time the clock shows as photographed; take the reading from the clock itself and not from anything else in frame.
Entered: 10:29
